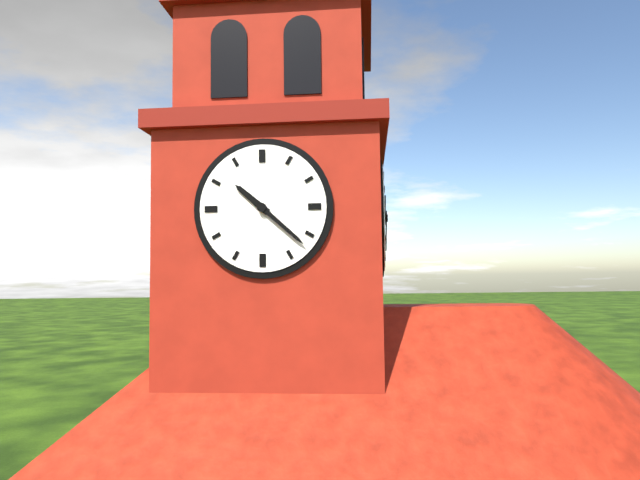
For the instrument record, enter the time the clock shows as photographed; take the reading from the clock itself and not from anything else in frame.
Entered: 10:22
